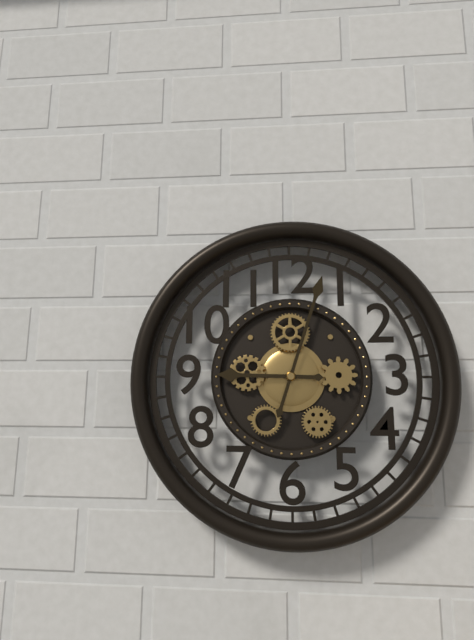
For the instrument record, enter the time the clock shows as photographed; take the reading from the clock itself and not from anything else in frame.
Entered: 9:03
